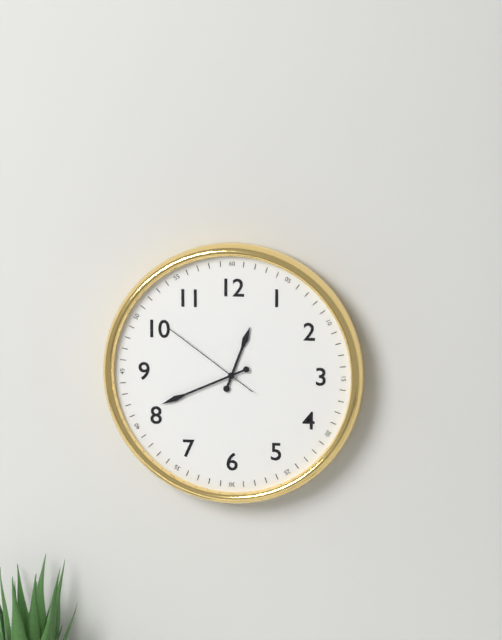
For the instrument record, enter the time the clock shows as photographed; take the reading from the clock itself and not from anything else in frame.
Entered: 12:41:51
